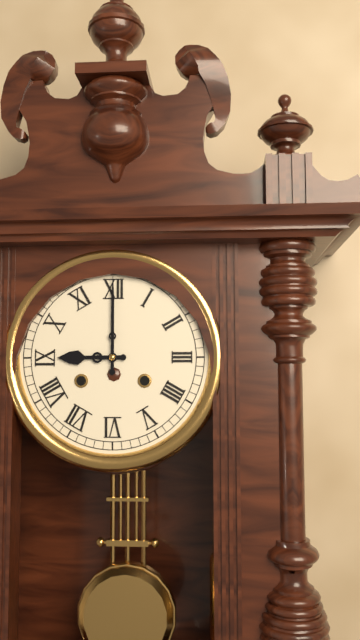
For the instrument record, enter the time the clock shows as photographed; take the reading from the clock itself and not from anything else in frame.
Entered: 9:00
